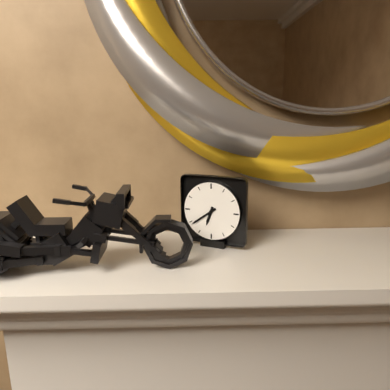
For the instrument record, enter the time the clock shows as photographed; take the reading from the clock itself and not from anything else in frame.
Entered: 6:39
